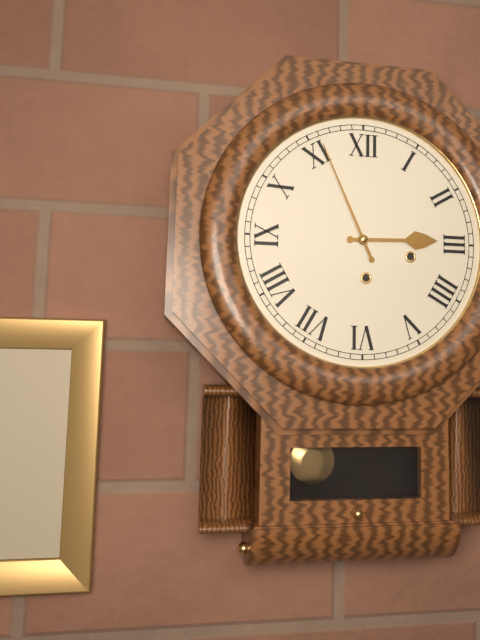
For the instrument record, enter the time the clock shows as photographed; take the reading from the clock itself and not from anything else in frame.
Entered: 2:56
